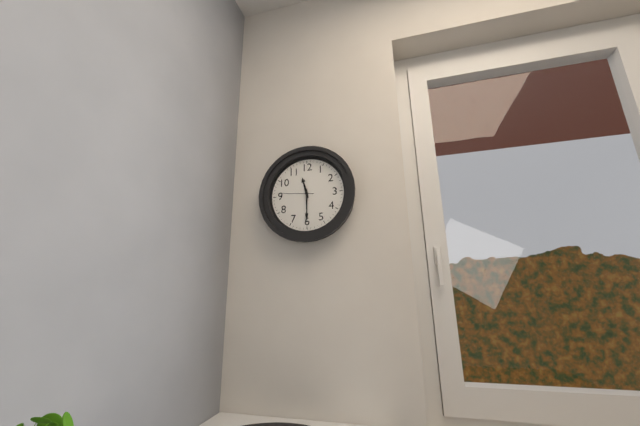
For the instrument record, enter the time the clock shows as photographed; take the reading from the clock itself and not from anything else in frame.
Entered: 11:30
